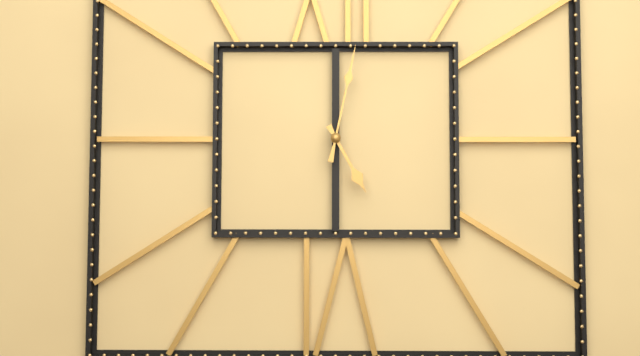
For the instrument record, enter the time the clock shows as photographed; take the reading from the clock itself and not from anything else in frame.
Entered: 5:02
